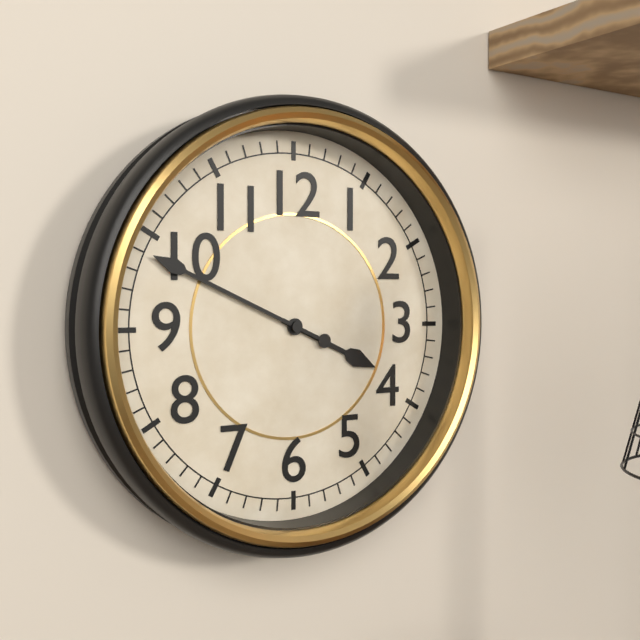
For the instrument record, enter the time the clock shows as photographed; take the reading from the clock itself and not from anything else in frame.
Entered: 3:49
